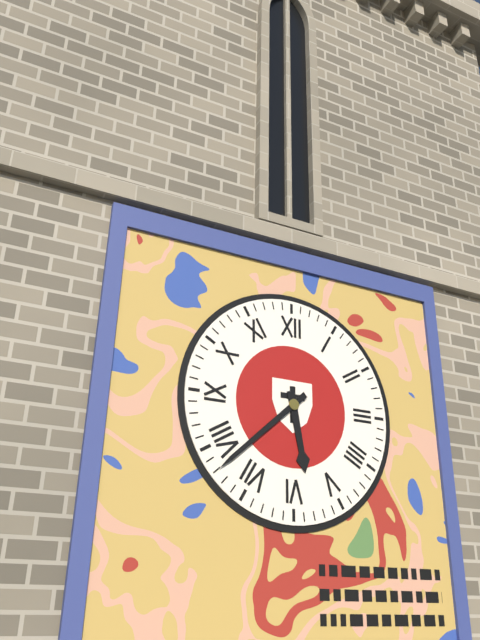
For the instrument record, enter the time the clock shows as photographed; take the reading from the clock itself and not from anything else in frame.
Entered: 5:38
